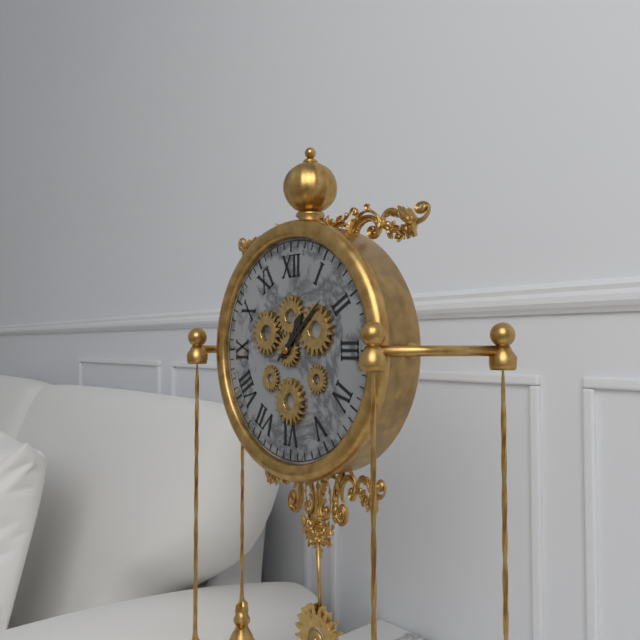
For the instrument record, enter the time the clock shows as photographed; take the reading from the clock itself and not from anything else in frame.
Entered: 1:08
